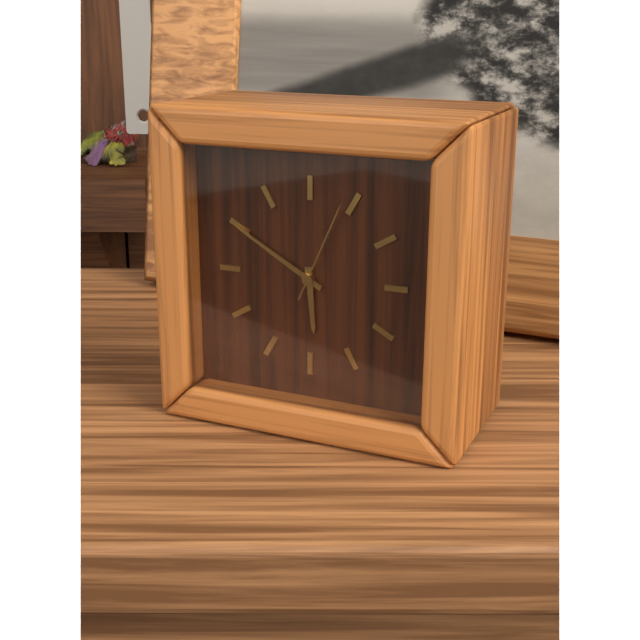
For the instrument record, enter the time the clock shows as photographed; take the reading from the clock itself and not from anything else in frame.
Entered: 5:50:04
